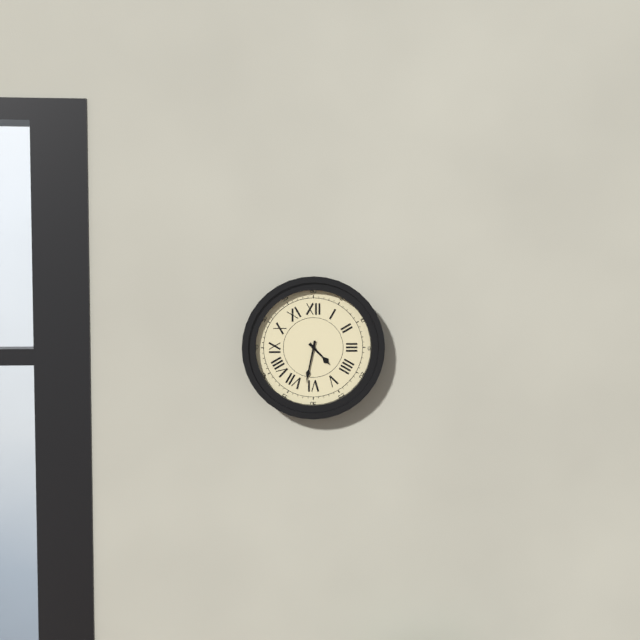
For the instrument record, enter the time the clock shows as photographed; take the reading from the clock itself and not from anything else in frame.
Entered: 4:32
